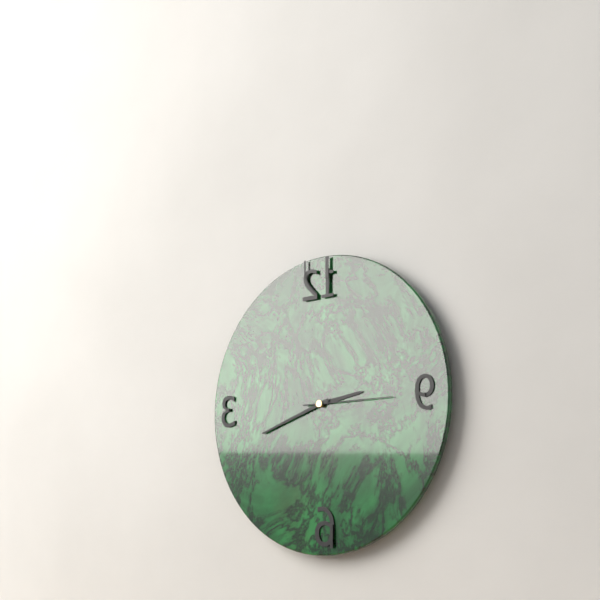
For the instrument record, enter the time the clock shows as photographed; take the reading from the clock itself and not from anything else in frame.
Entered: 2:42:15
